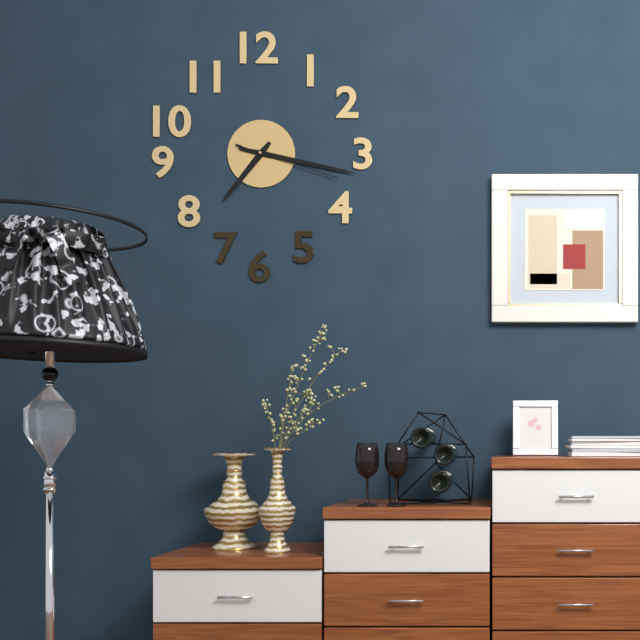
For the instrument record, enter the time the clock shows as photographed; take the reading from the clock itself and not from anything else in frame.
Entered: 7:17:18
